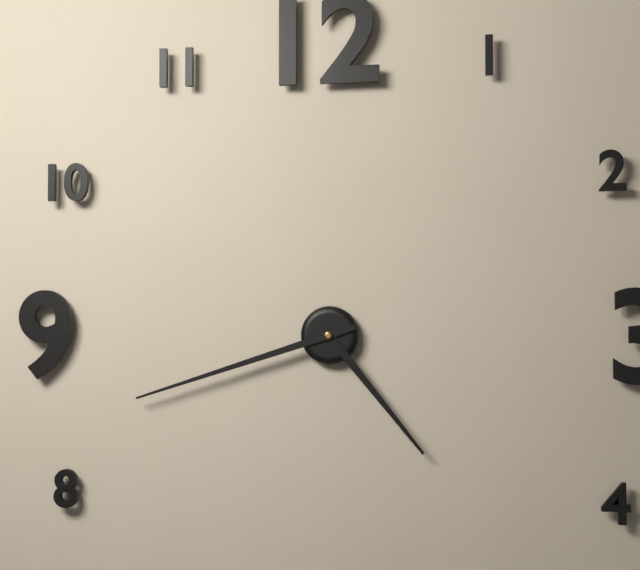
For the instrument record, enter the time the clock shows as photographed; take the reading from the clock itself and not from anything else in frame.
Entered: 4:42
